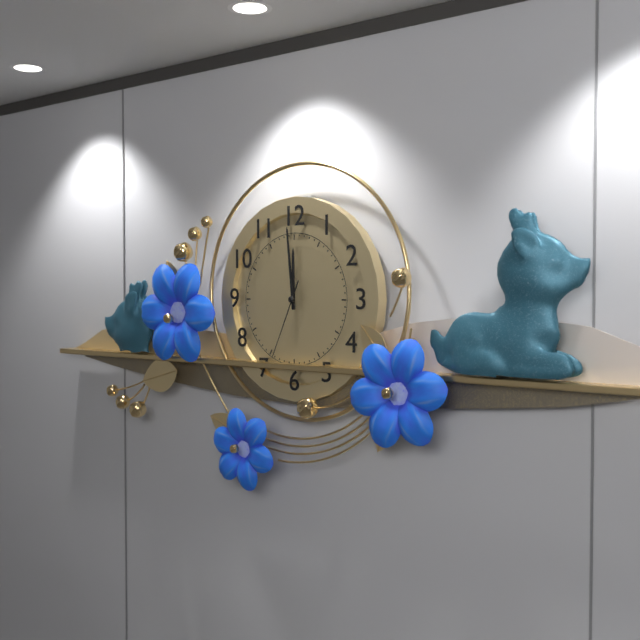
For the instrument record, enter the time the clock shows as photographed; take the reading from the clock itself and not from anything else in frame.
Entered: 11:59:34
